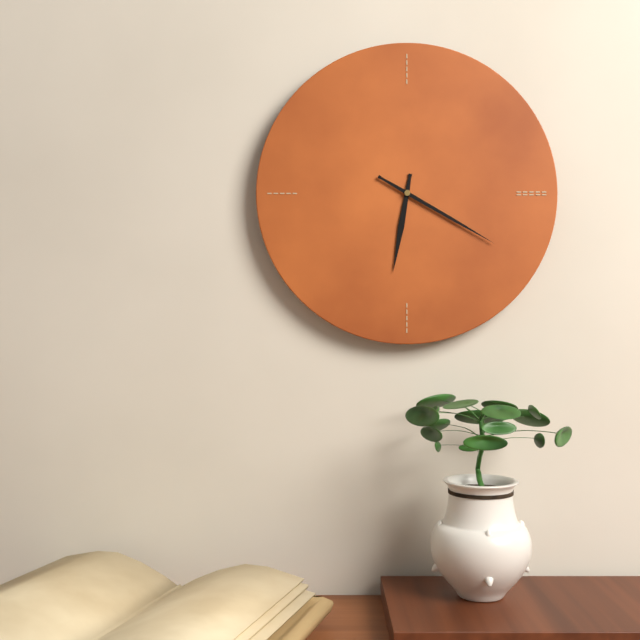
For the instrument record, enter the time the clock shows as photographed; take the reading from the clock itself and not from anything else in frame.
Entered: 6:20
